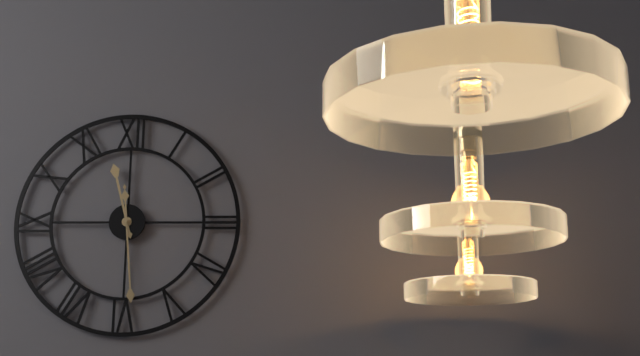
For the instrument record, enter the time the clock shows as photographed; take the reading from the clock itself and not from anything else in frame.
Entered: 11:29
